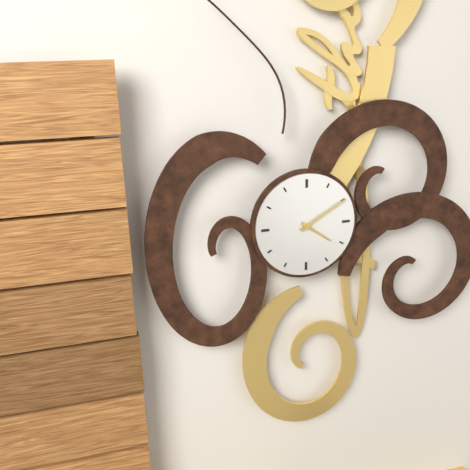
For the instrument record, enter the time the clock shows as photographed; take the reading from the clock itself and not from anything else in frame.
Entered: 4:10
